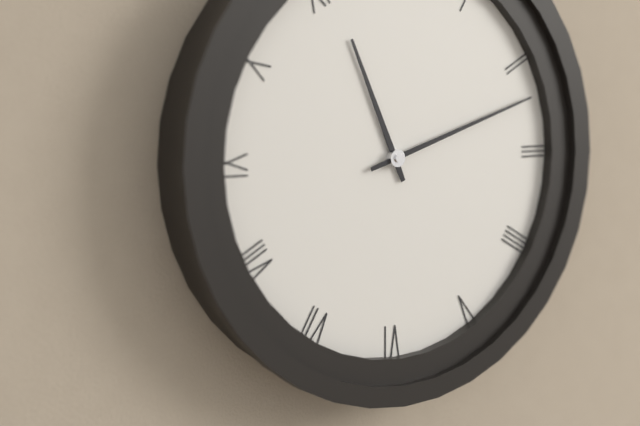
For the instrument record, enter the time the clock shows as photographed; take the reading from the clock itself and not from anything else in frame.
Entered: 11:12
